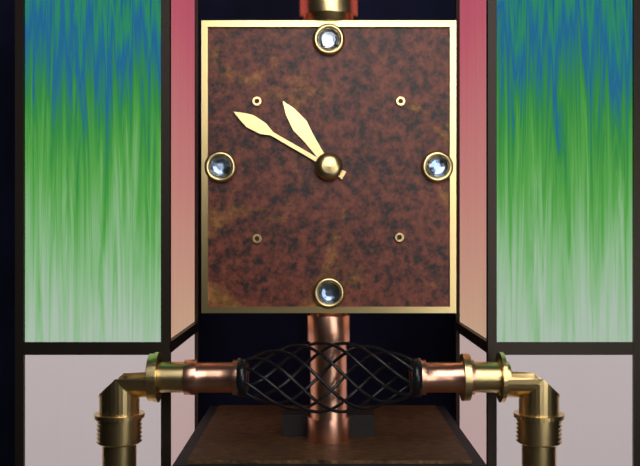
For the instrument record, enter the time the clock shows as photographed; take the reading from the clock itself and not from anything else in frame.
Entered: 10:50
